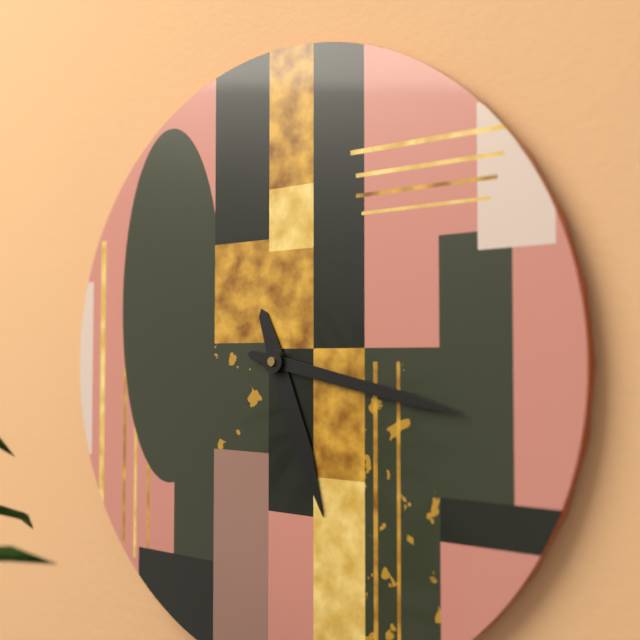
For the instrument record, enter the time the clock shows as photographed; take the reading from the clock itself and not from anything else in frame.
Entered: 5:17
